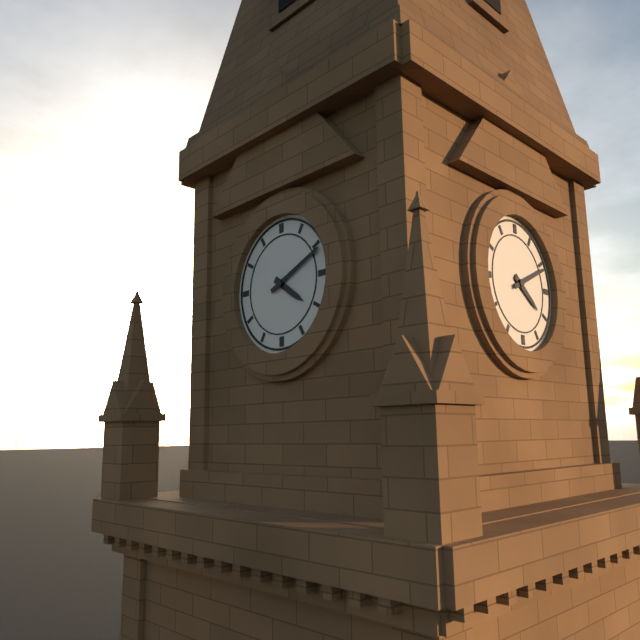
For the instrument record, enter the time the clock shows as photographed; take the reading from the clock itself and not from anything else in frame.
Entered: 4:11
